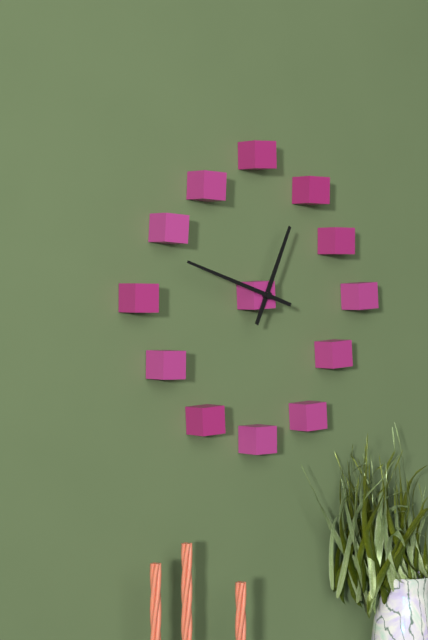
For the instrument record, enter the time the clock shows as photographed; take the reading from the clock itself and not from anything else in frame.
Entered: 12:48
